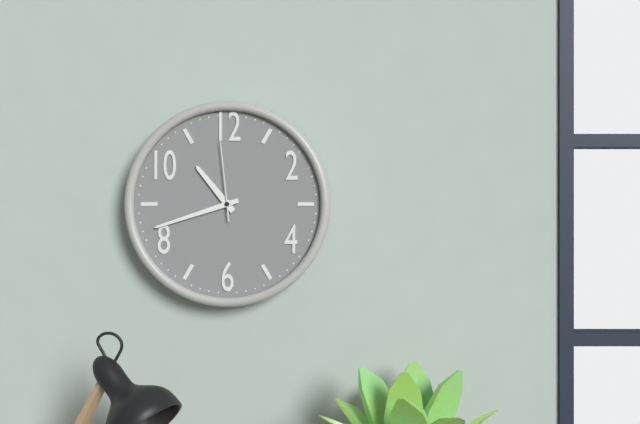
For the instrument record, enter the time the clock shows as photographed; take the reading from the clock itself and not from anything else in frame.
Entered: 10:42:59
